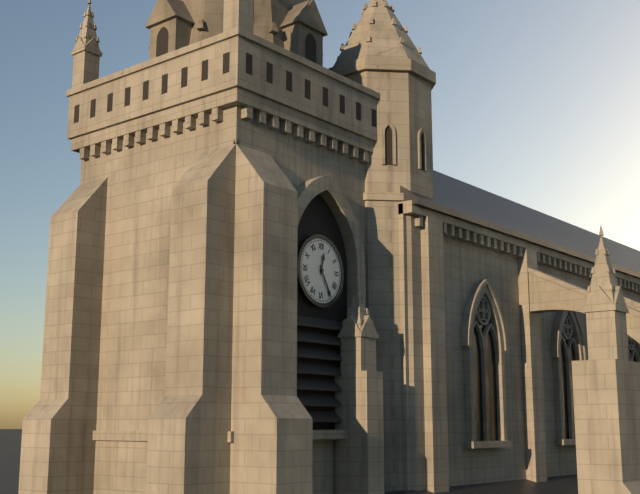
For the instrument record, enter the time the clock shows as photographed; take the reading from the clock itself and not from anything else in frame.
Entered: 12:25
